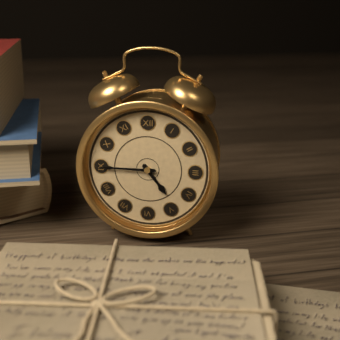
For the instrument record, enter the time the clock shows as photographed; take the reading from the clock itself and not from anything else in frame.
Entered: 4:45
